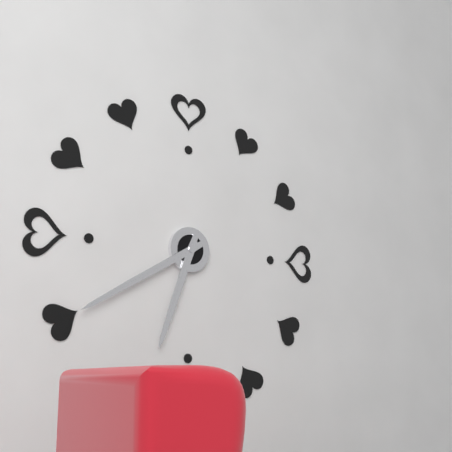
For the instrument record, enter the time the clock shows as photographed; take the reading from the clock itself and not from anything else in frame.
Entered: 6:40
